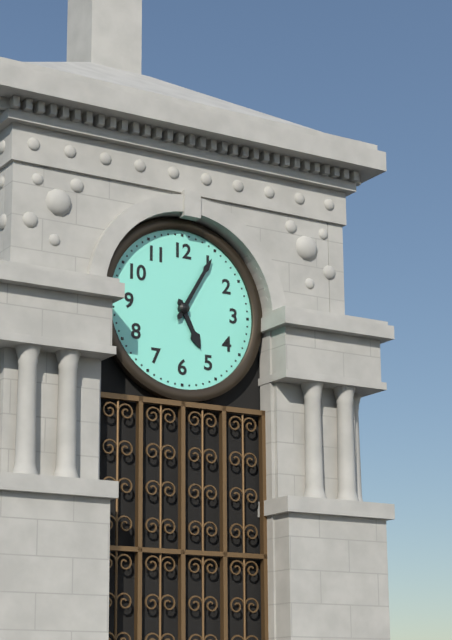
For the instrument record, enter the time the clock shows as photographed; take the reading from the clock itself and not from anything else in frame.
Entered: 5:05
